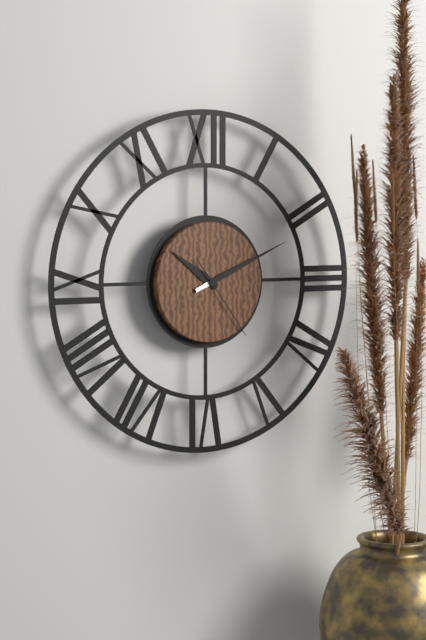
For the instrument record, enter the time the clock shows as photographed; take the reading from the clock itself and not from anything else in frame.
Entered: 10:11:24
